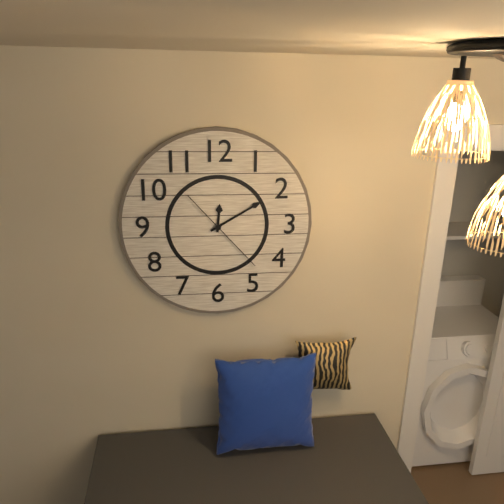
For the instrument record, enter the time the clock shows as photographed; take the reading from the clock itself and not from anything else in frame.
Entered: 12:10:23
